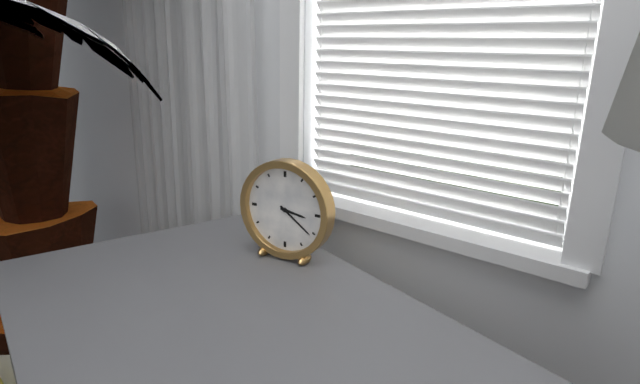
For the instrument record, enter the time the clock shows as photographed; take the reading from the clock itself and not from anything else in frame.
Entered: 3:21
